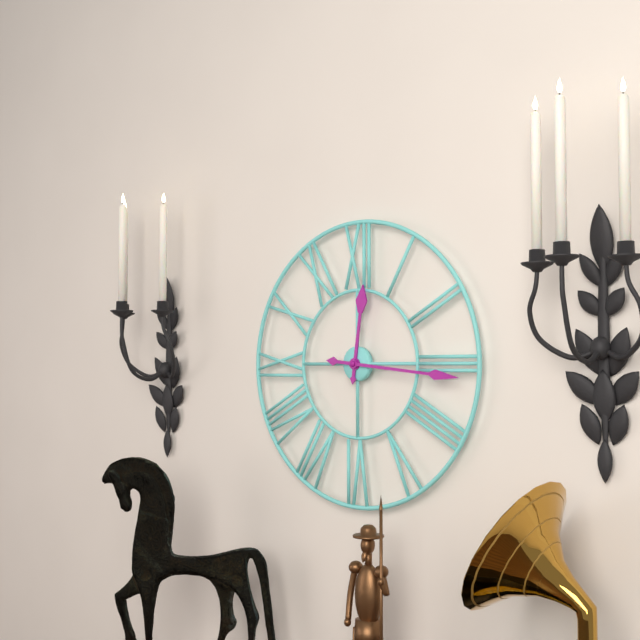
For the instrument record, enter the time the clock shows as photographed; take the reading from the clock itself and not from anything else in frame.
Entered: 12:16
